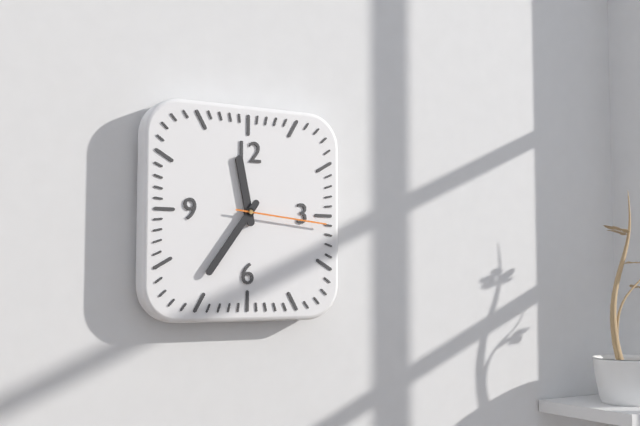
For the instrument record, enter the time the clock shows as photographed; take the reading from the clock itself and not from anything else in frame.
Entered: 11:36:16
